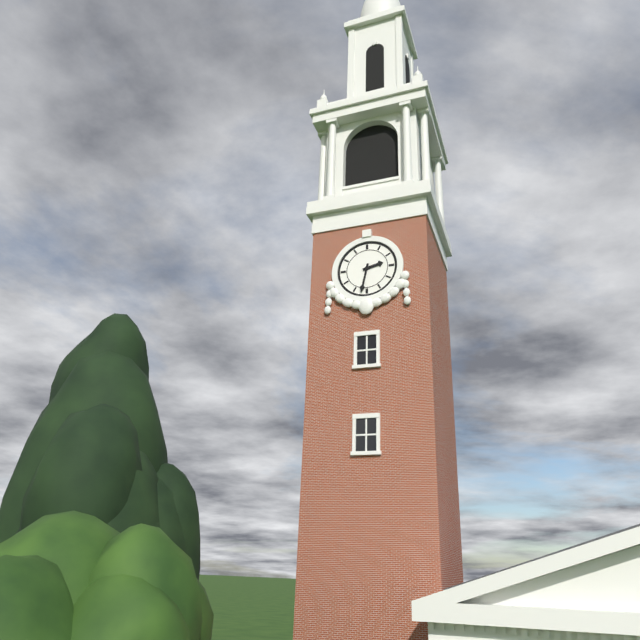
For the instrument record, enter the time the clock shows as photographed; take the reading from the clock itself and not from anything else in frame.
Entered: 2:32
